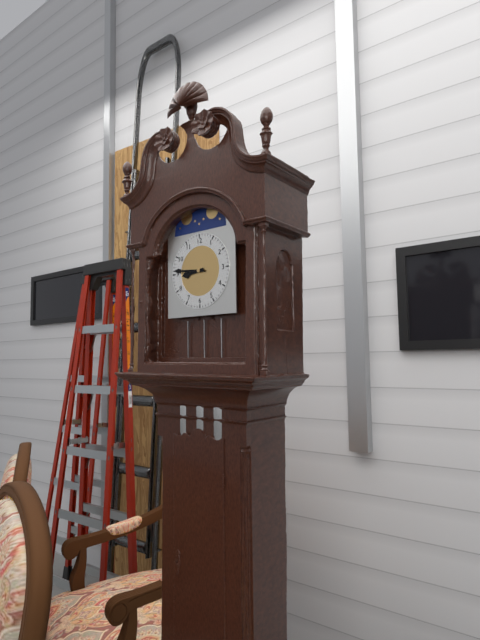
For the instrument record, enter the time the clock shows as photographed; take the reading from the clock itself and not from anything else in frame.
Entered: 8:46
